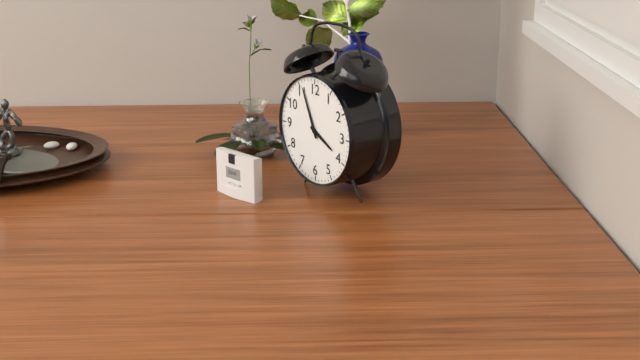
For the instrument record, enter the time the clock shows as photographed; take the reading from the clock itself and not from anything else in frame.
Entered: 3:56
